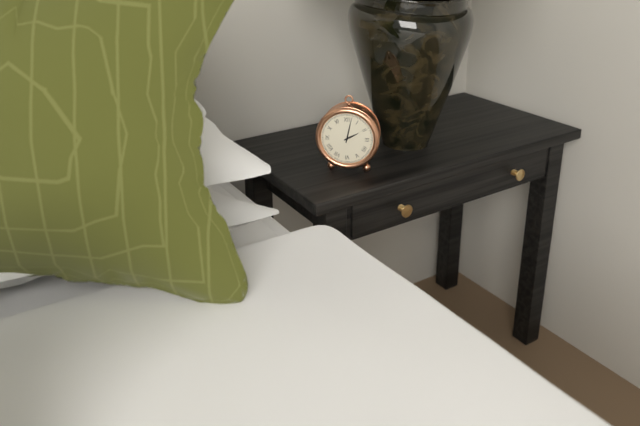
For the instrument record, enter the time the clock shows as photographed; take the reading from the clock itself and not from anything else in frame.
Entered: 2:02
